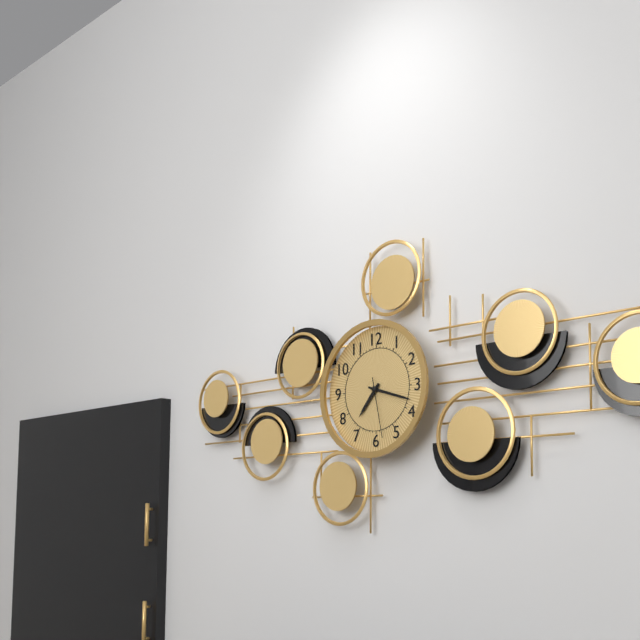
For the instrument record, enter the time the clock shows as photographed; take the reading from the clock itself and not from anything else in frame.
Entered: 7:18:28
